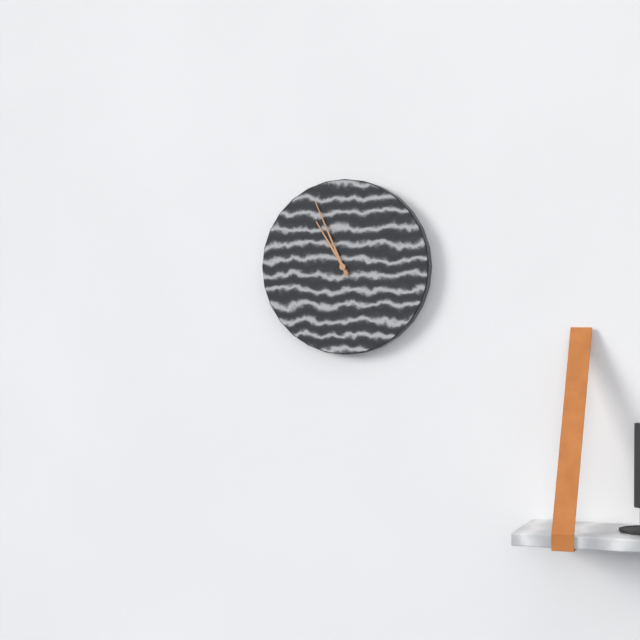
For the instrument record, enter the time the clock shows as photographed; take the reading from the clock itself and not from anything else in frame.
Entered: 10:56
